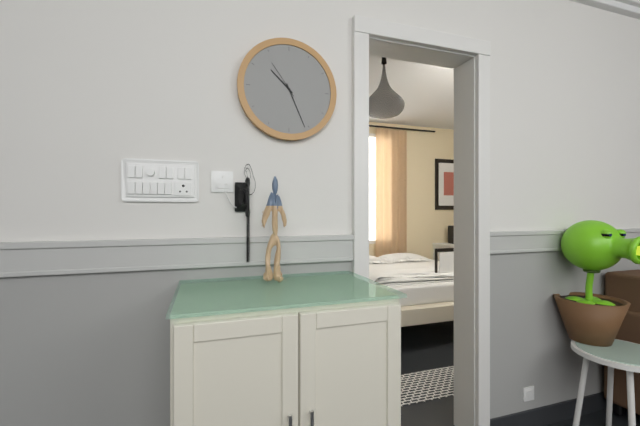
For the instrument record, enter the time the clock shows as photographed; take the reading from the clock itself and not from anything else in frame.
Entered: 10:26
